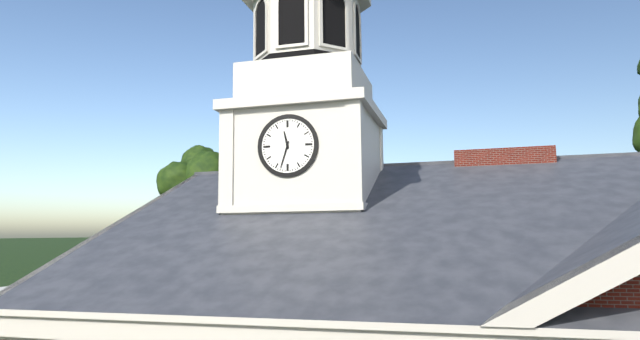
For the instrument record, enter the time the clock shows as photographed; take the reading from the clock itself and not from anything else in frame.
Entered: 11:33
